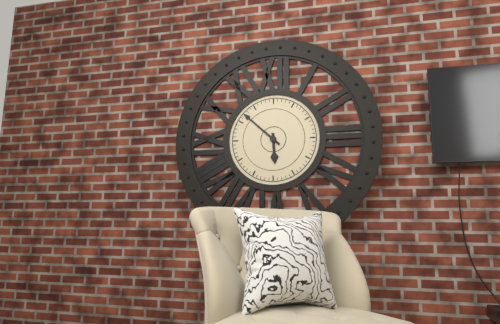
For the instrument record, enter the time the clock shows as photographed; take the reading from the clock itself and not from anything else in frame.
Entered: 5:52
